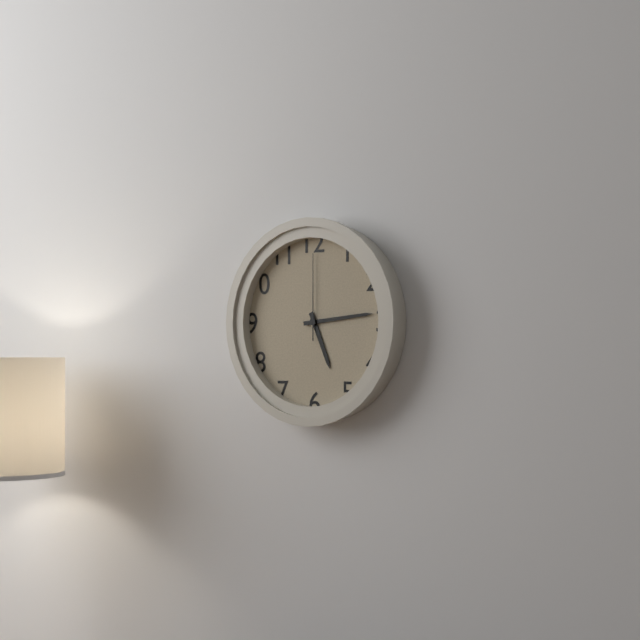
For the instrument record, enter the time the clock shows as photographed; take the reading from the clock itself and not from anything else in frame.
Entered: 5:14:00
